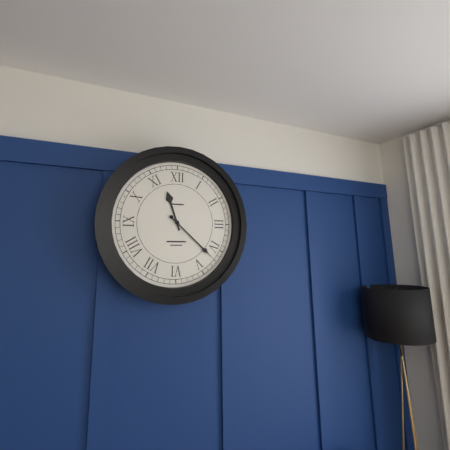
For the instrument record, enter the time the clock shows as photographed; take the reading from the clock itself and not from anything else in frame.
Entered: 11:22
